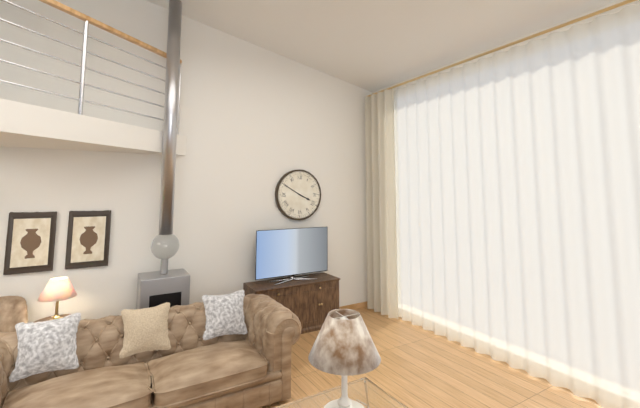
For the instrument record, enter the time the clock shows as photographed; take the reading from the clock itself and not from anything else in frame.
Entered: 3:50
